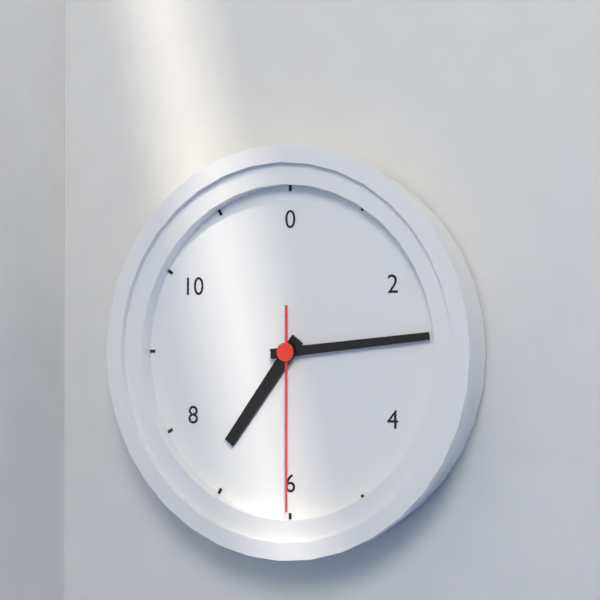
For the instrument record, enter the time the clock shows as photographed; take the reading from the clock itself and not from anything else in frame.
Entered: 7:14:30
